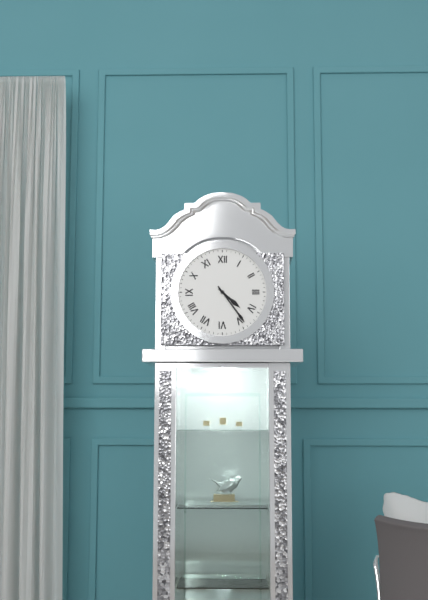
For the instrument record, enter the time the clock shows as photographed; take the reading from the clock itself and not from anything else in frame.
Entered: 4:24
